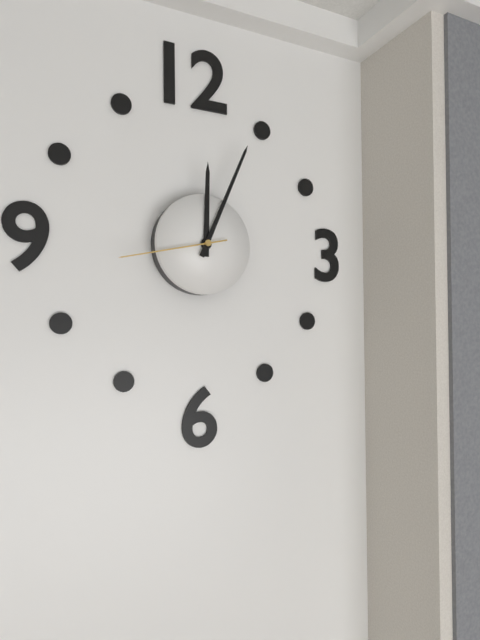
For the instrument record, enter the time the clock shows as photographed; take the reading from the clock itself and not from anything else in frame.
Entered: 12:04:43
